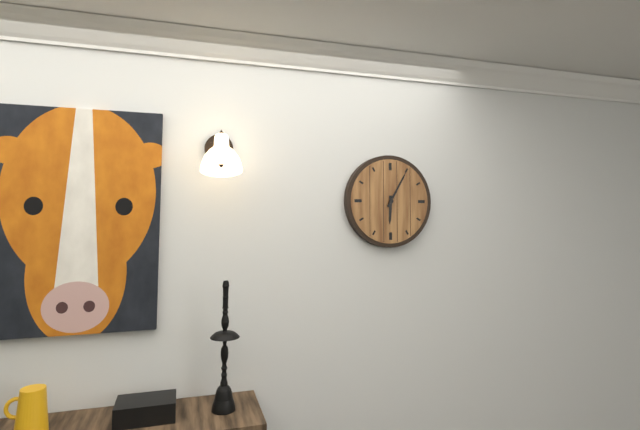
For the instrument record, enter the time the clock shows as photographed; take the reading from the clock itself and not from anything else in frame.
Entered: 6:05
